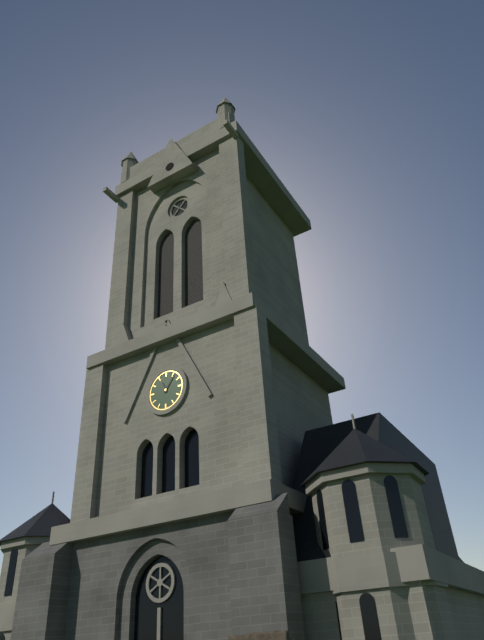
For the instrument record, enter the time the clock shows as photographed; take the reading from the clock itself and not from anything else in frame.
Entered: 11:06
